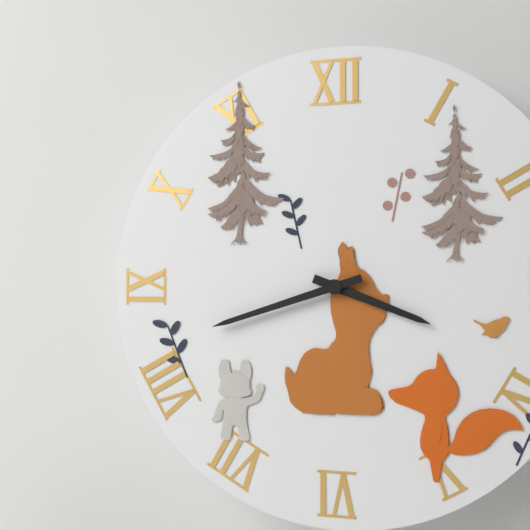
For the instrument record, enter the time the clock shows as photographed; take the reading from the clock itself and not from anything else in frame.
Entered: 3:42
